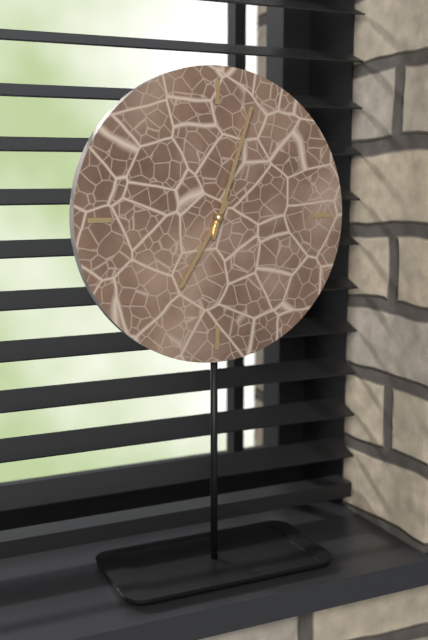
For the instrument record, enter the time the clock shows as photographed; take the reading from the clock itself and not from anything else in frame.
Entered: 7:03
